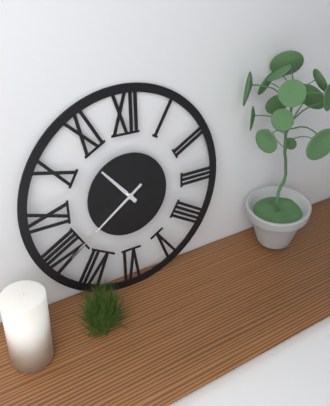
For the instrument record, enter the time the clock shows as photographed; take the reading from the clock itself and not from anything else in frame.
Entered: 10:39
